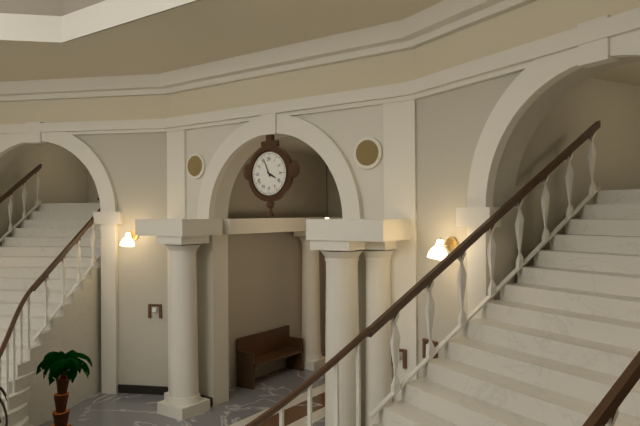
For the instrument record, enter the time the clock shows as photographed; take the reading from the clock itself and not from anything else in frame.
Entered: 3:56
